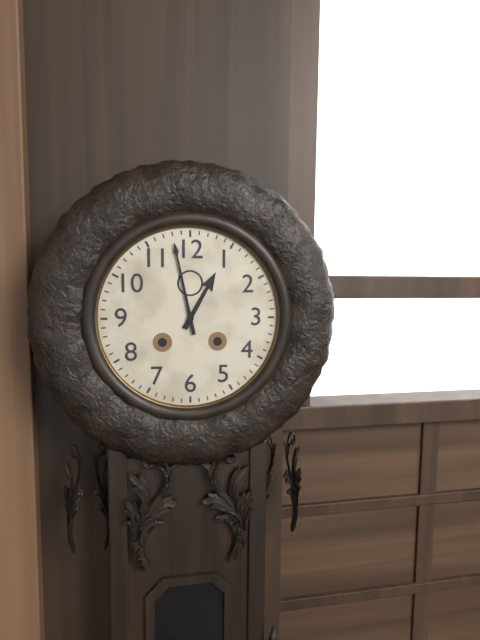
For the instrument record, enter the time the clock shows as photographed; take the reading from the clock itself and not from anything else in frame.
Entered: 12:58
